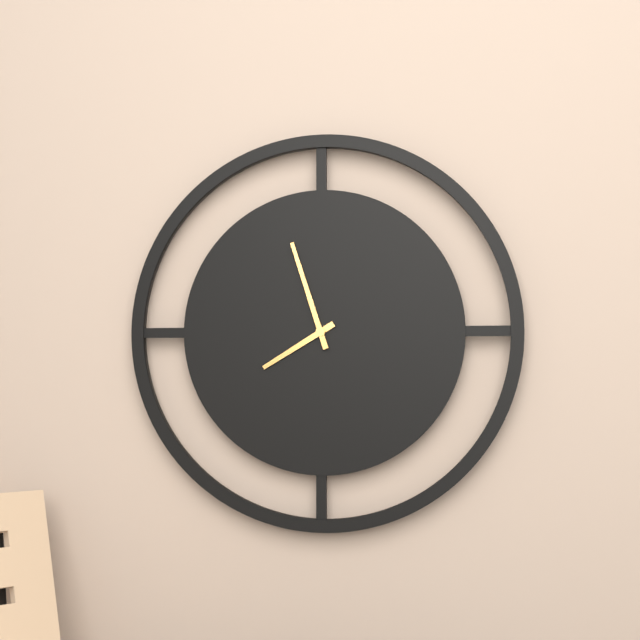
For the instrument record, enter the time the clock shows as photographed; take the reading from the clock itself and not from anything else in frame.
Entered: 7:57
